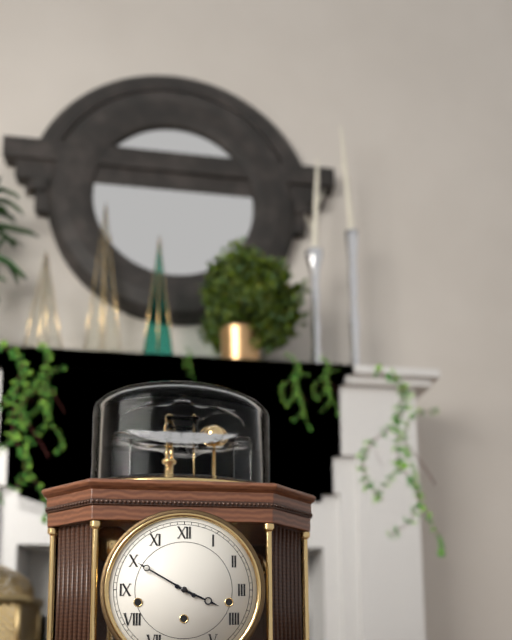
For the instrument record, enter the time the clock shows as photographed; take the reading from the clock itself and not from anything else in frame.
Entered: 3:50
